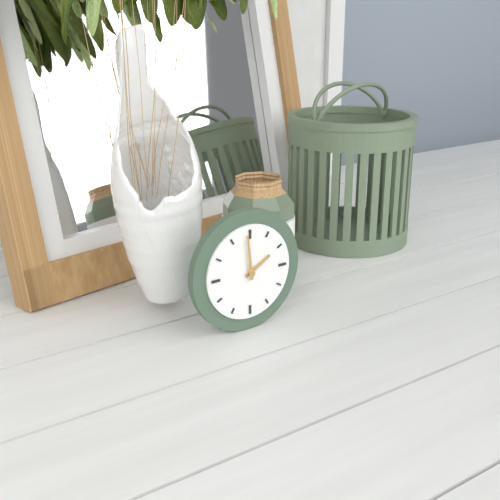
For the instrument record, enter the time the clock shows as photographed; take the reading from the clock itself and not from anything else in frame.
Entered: 1:59
